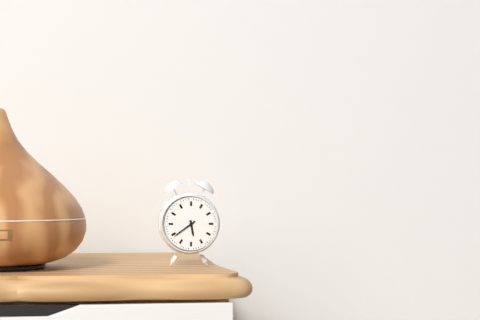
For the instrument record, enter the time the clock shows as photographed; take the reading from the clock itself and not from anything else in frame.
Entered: 5:39
